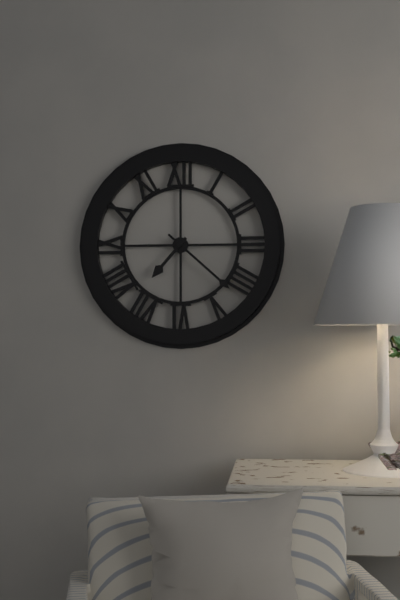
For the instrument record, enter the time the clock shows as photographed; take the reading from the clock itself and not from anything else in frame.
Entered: 7:22
